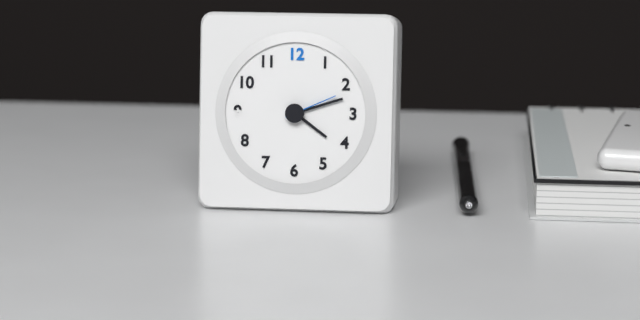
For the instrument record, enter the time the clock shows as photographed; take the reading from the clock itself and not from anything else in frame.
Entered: 4:12:11
